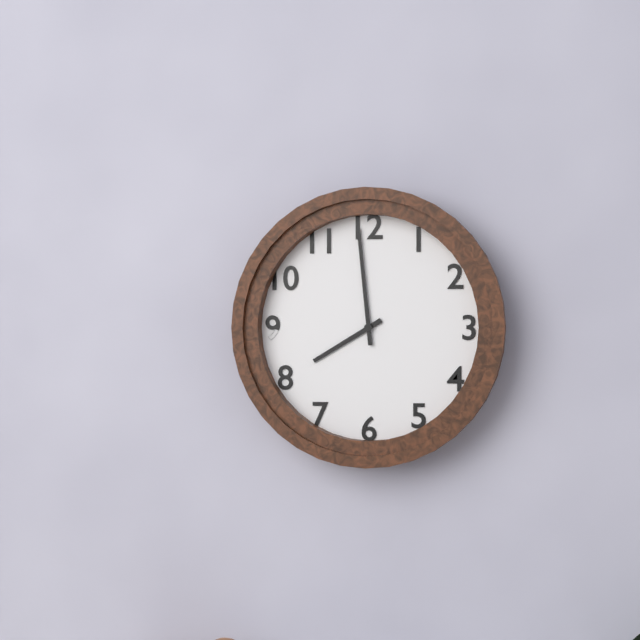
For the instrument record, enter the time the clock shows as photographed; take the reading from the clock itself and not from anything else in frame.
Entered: 7:59
